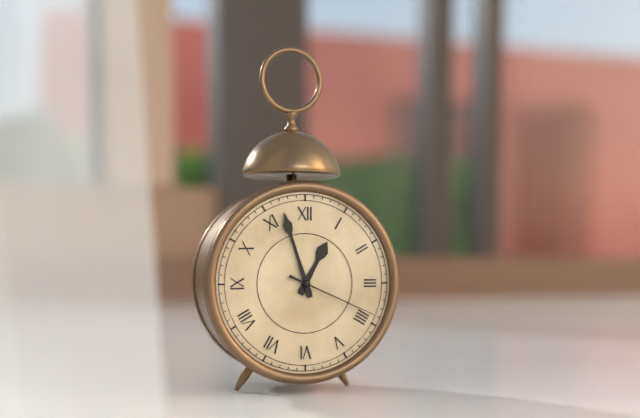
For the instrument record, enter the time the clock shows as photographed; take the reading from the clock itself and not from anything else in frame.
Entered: 12:57:19
